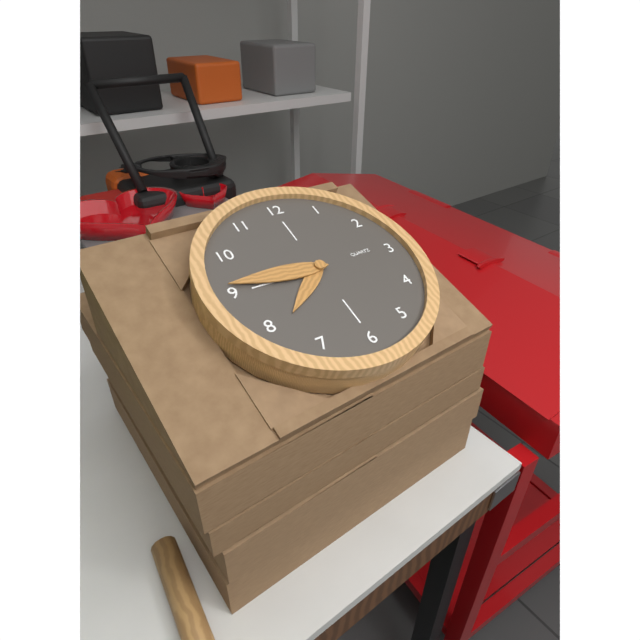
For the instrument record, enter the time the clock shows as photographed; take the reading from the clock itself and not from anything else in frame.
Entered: 7:46
